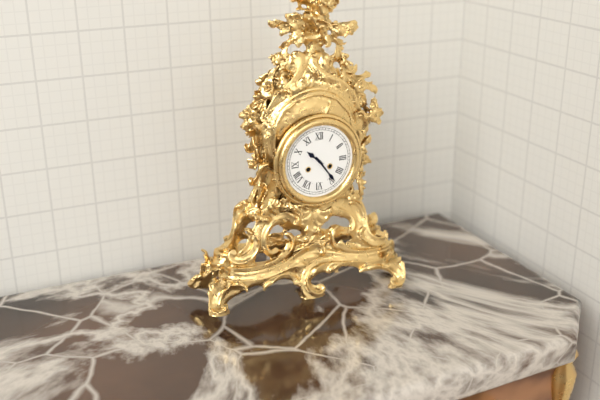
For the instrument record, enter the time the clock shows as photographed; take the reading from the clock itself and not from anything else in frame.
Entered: 10:24
